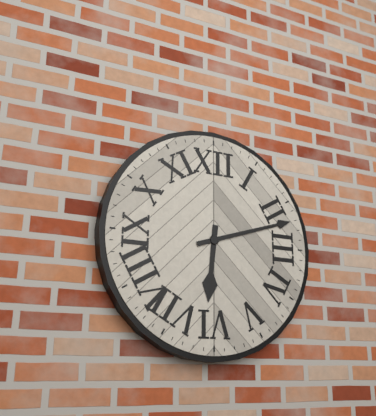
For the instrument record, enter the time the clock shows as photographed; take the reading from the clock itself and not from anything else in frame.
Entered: 6:12
